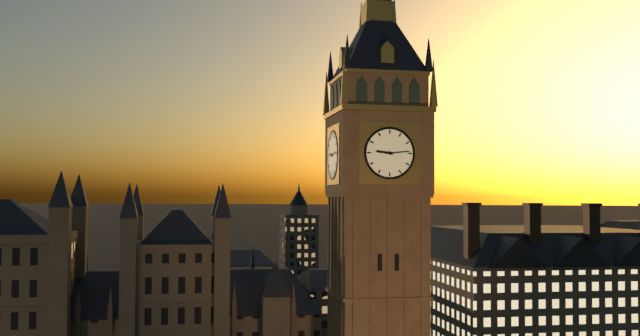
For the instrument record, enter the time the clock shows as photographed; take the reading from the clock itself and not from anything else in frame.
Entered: 9:14
